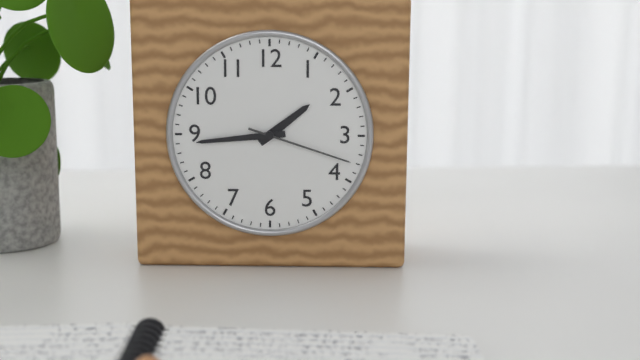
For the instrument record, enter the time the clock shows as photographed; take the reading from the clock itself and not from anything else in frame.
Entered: 1:44:18
